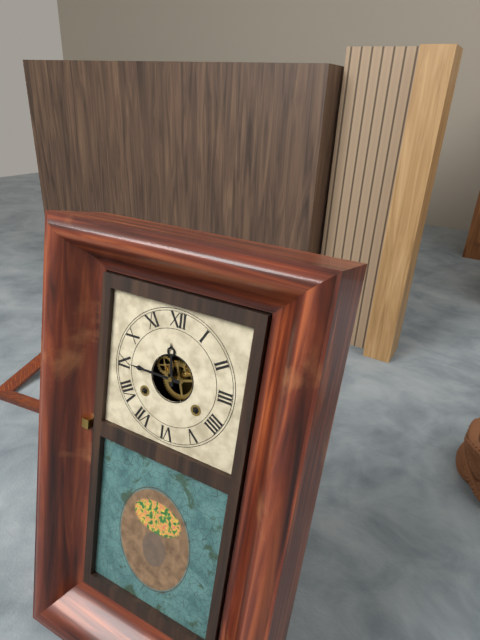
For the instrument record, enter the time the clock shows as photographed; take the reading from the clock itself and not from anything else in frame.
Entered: 11:45
